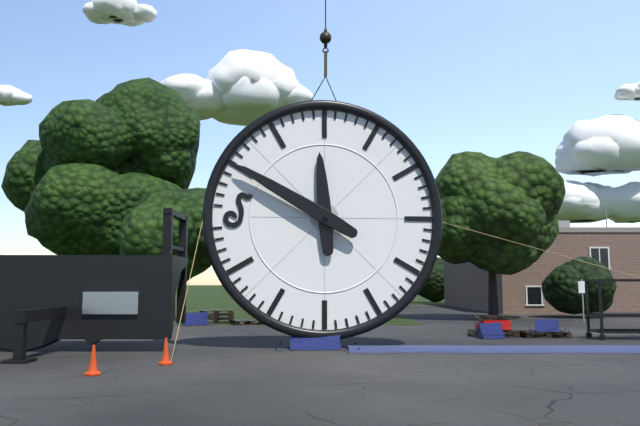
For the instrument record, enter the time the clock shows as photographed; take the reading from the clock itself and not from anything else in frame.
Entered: 11:50
